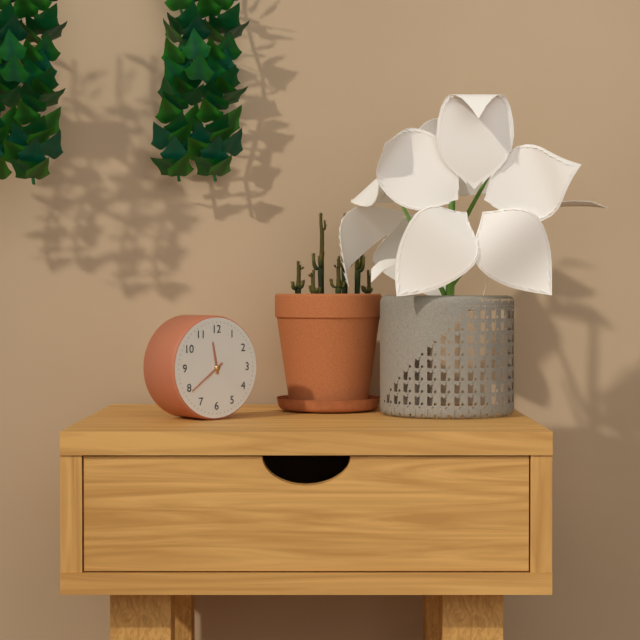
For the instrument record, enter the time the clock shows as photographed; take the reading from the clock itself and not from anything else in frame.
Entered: 11:39
